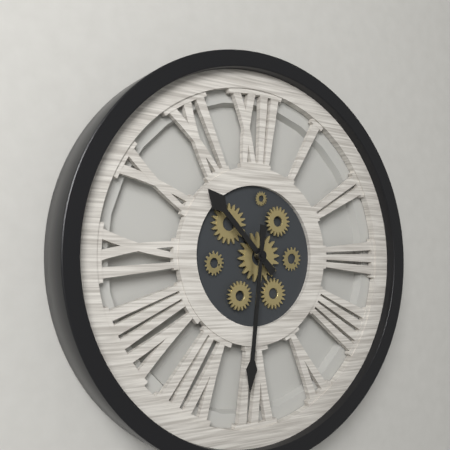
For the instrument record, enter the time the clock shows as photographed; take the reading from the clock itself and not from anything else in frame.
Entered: 10:31
